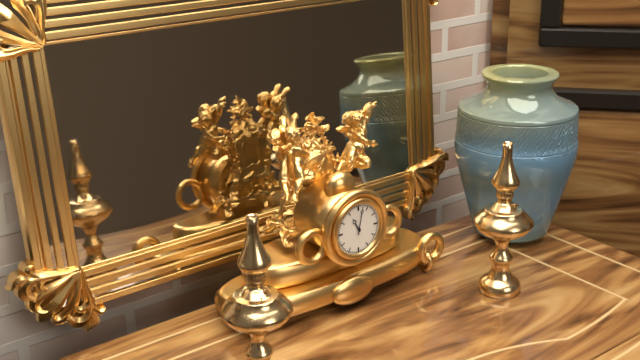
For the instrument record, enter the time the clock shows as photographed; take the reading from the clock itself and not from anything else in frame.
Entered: 11:02
